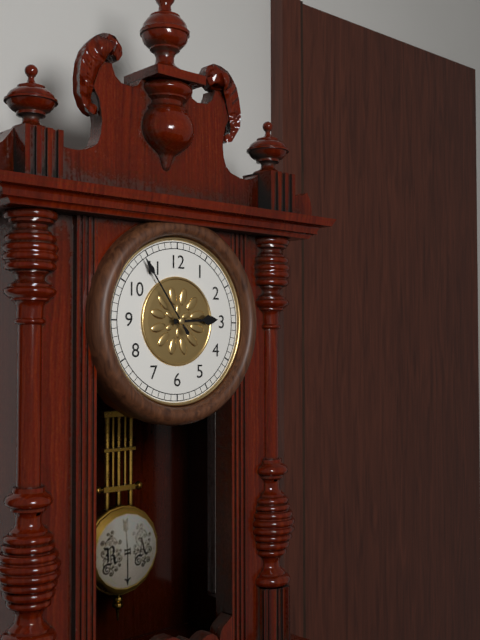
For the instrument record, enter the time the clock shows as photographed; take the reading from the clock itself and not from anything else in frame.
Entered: 2:54
